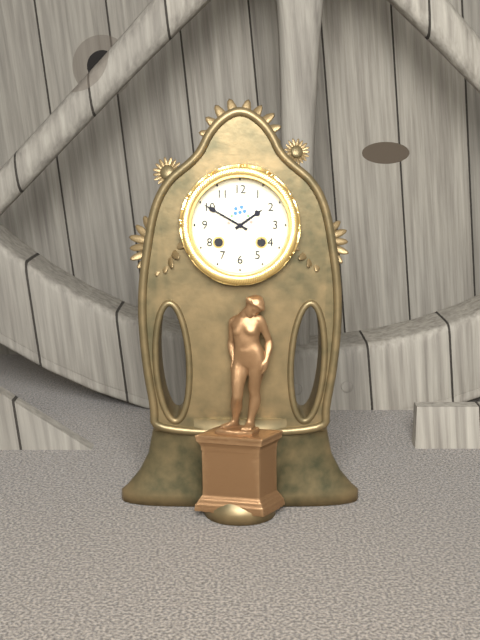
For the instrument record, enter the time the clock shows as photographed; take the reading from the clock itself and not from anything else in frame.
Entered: 1:50
